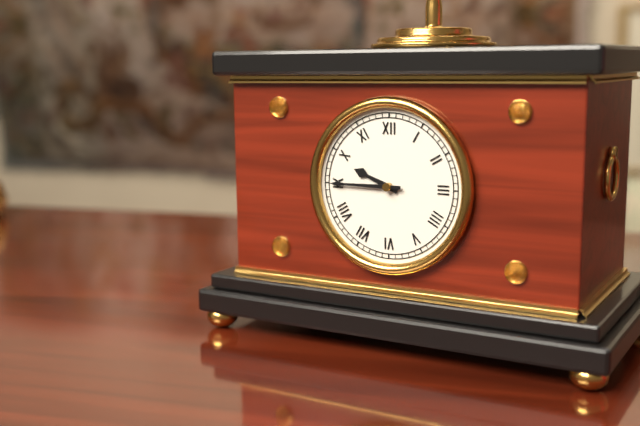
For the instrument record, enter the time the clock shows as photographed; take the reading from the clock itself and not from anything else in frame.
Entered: 9:45
